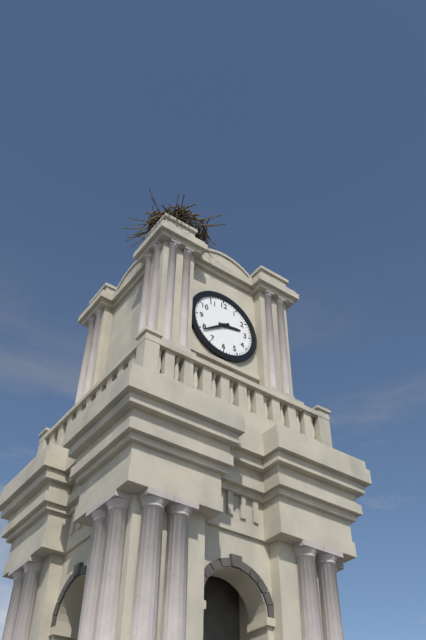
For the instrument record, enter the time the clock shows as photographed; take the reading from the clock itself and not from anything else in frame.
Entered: 2:39
